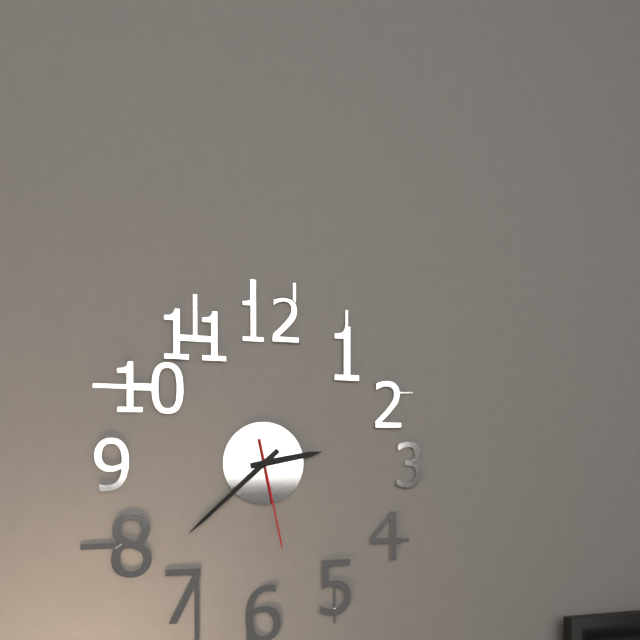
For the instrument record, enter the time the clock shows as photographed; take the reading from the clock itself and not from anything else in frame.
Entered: 2:38:28
